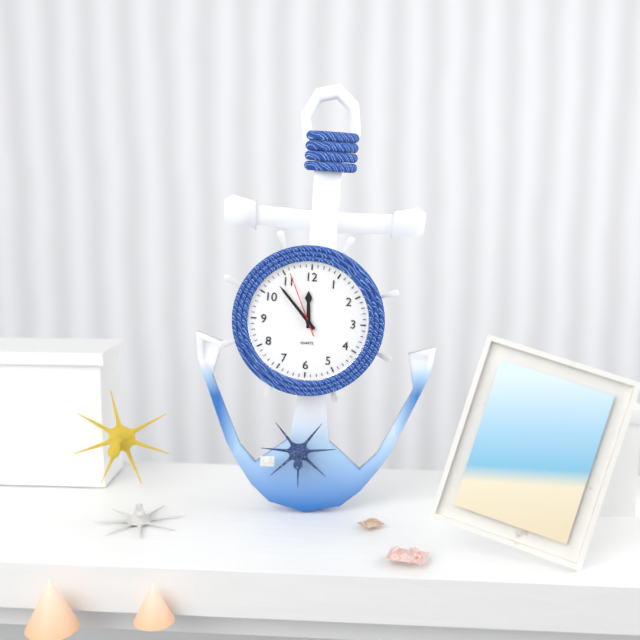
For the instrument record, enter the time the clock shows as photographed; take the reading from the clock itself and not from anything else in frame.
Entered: 11:53:56
